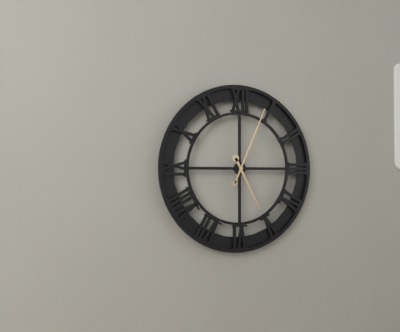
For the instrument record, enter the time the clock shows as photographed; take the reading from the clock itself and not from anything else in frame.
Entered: 5:04
